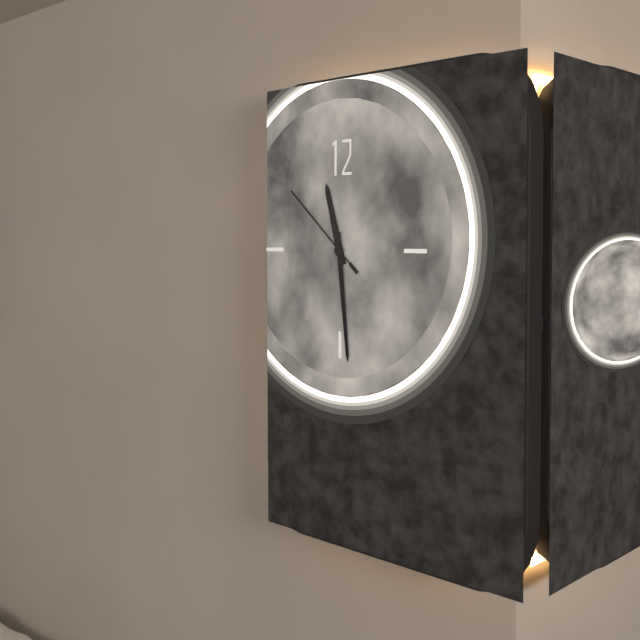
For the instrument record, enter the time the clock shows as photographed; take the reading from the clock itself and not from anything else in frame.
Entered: 11:29:52
